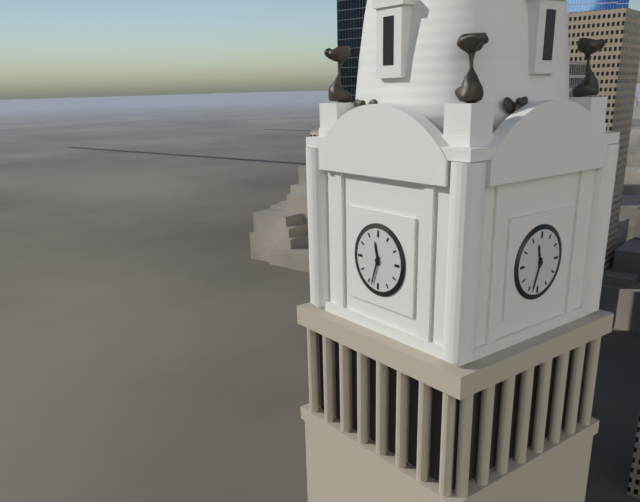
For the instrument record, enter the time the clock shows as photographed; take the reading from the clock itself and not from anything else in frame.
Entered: 11:33
